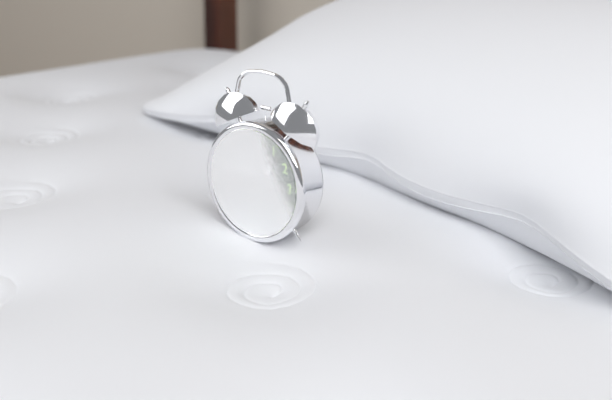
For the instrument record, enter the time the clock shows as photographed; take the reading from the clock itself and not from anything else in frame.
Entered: 12:19:15
